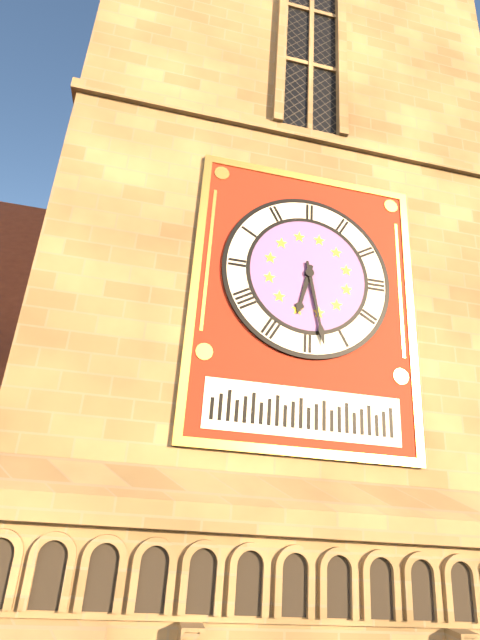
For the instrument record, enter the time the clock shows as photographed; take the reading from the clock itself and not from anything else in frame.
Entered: 6:28
